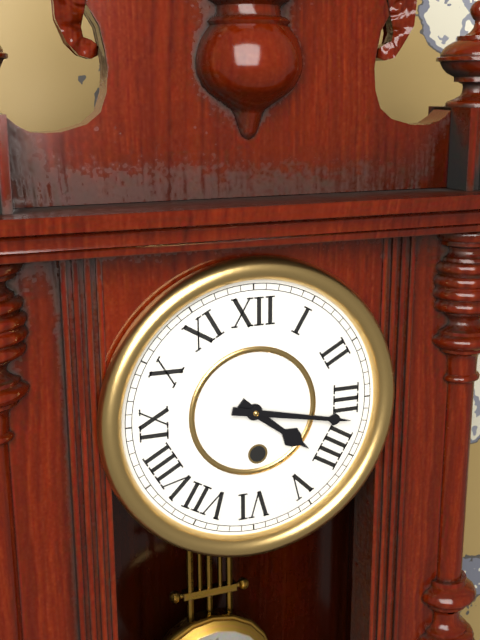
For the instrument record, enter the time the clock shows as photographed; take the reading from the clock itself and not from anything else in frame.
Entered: 4:17
